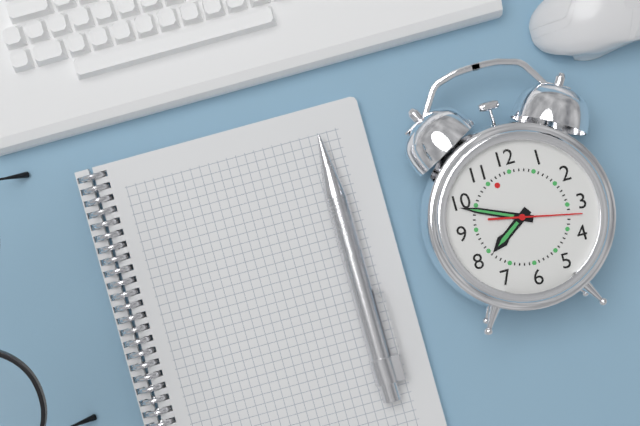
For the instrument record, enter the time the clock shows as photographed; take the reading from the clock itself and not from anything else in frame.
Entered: 7:49:17
